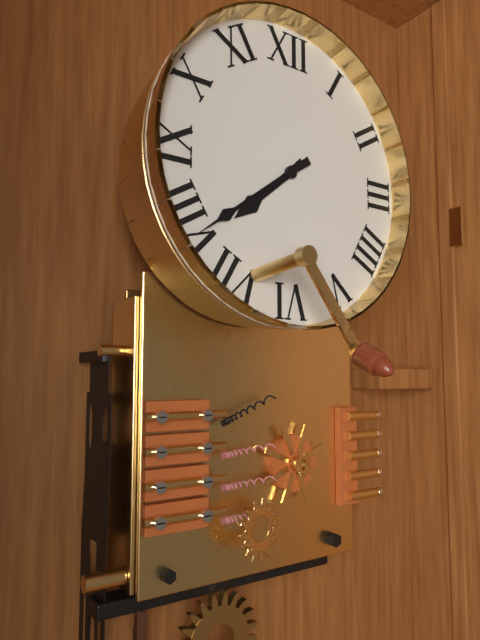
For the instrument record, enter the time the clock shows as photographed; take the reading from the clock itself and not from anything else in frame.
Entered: 7:39
